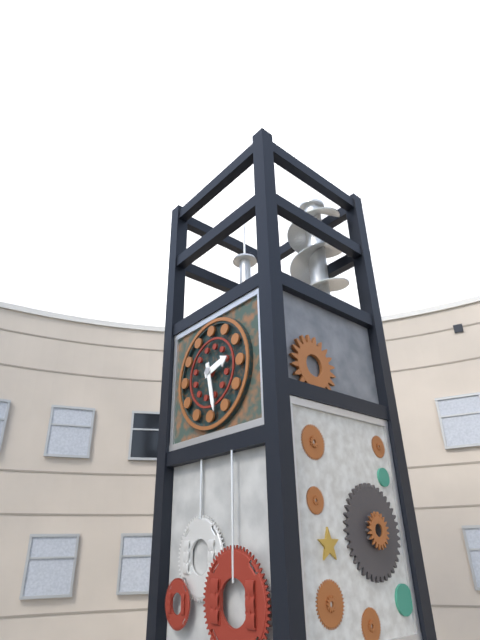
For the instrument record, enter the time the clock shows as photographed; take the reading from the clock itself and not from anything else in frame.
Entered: 2:28
